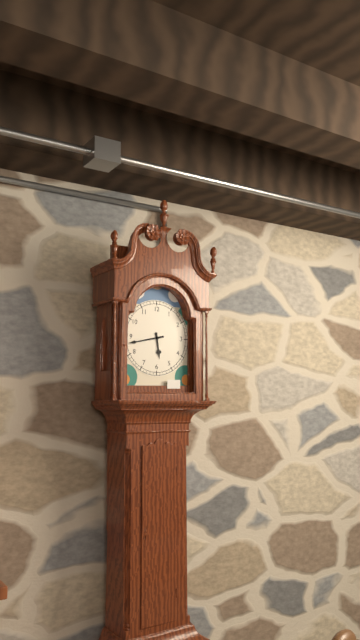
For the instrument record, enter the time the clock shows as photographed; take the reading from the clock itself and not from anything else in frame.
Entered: 5:43
